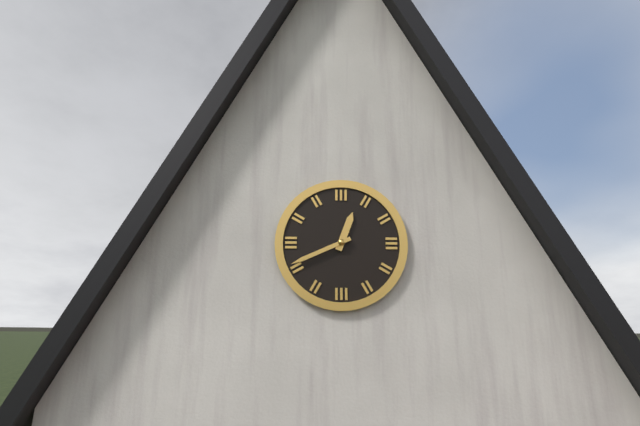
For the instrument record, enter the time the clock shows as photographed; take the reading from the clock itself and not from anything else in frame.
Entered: 12:41
